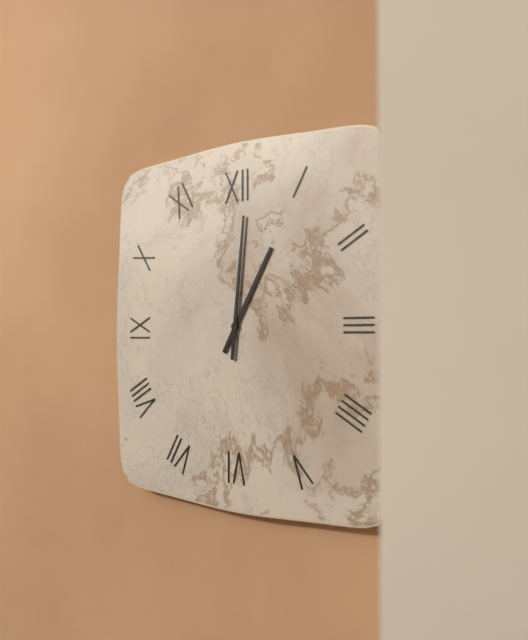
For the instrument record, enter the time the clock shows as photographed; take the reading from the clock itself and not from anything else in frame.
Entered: 1:01
